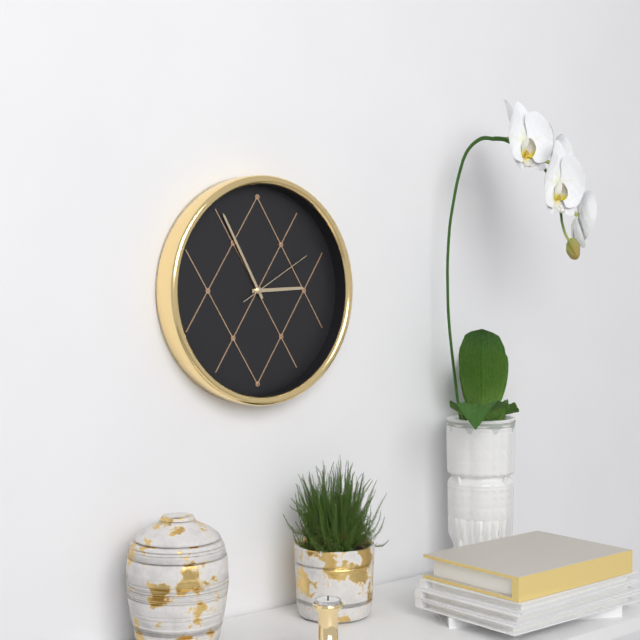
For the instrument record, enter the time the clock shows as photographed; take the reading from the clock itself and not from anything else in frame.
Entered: 2:55:10
